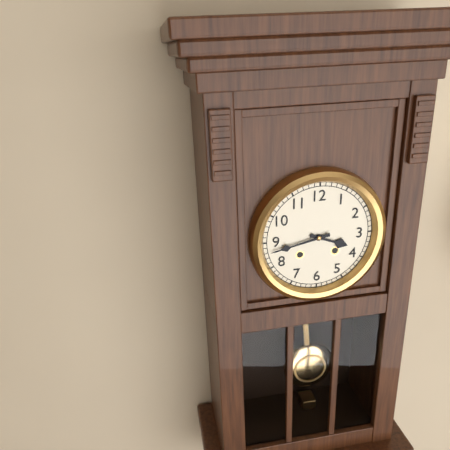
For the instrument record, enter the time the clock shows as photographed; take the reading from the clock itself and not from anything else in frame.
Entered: 3:43
